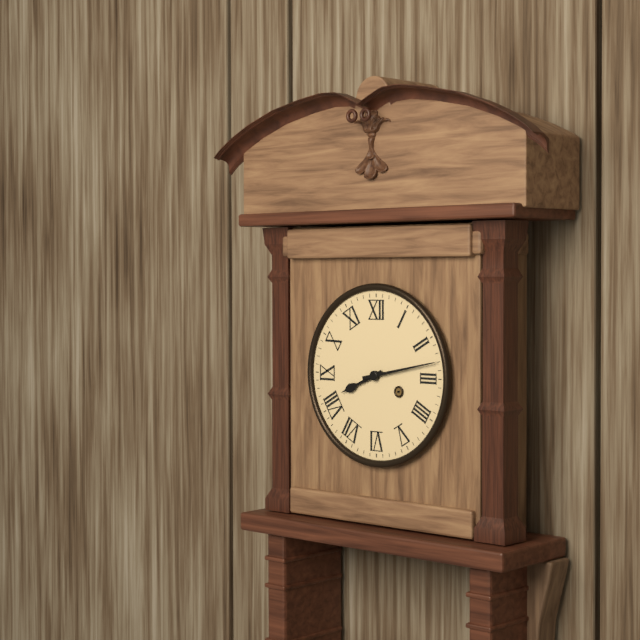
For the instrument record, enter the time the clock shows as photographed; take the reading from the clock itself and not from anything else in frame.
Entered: 8:13
